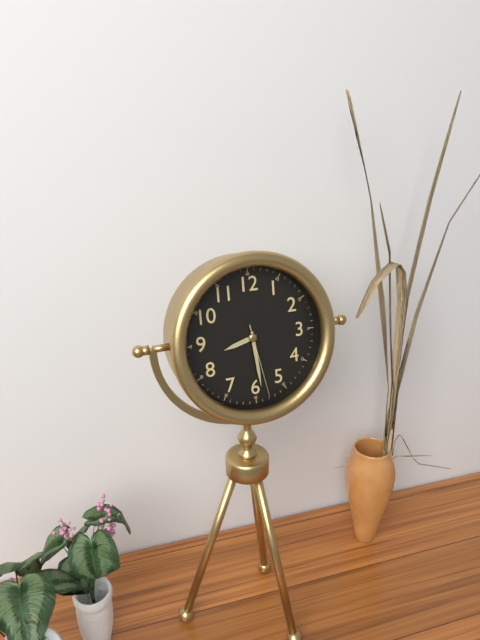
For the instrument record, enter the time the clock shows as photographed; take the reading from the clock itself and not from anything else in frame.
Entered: 8:29:28
